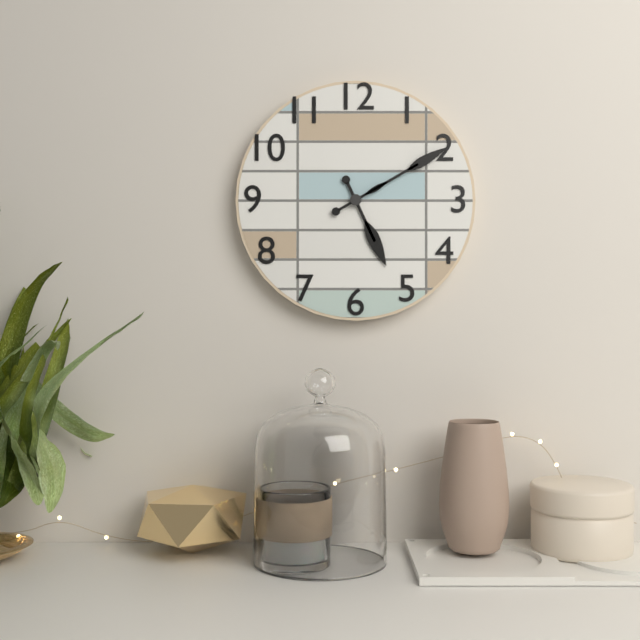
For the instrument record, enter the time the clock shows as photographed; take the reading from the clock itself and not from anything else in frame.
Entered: 5:10
